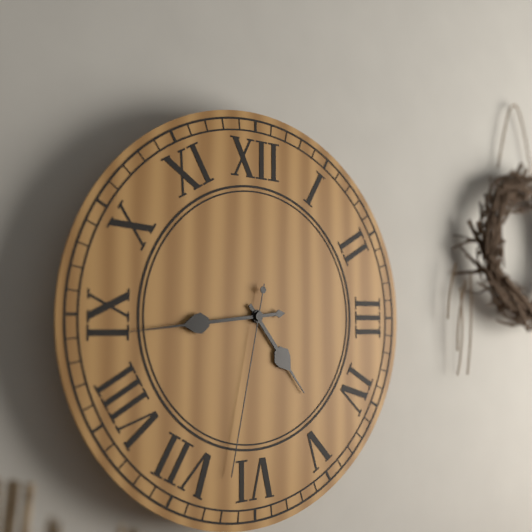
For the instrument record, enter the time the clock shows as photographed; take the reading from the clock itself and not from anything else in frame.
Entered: 4:44:32
